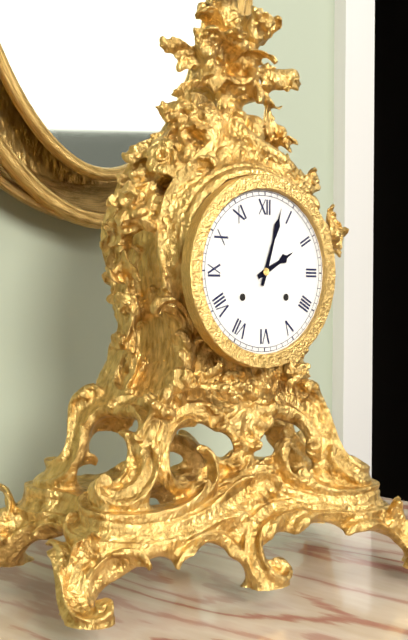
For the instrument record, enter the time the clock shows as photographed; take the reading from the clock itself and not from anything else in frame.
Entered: 2:03
